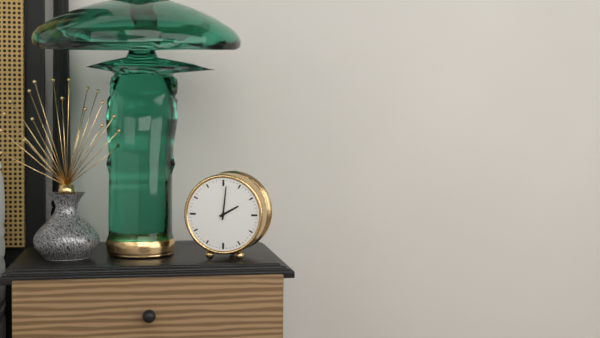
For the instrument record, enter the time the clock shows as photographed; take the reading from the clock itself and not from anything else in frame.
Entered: 2:01
